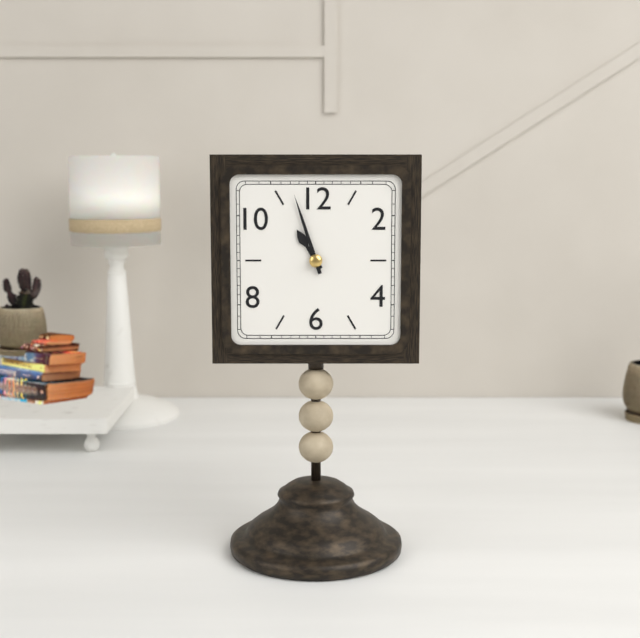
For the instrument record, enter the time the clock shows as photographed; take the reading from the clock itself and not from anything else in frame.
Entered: 10:57
